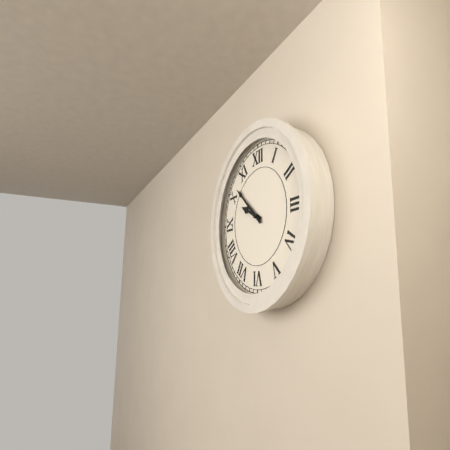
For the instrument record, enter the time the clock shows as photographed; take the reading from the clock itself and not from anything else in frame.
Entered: 9:52
